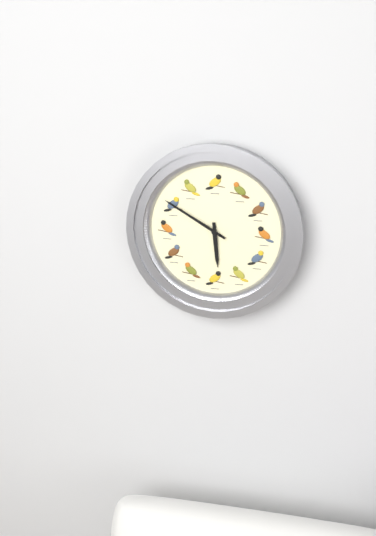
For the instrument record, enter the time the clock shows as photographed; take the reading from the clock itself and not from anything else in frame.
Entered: 5:50
